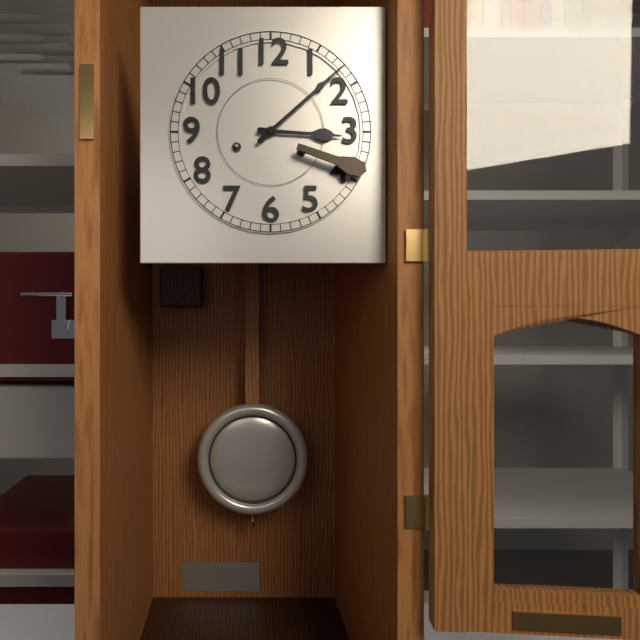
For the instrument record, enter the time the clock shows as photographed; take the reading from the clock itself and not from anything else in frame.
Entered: 3:08
